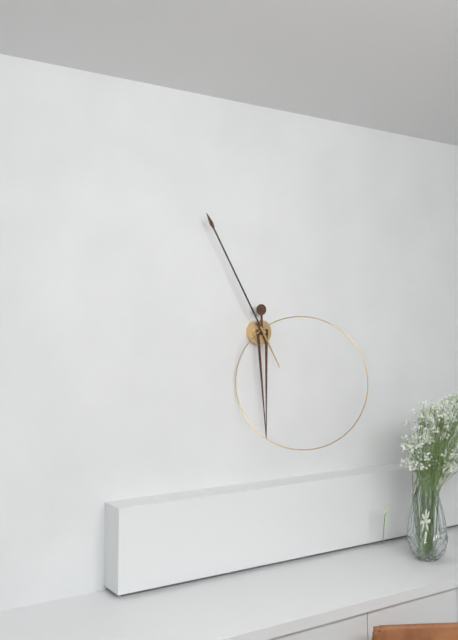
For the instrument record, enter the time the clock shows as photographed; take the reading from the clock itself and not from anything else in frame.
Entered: 5:55
